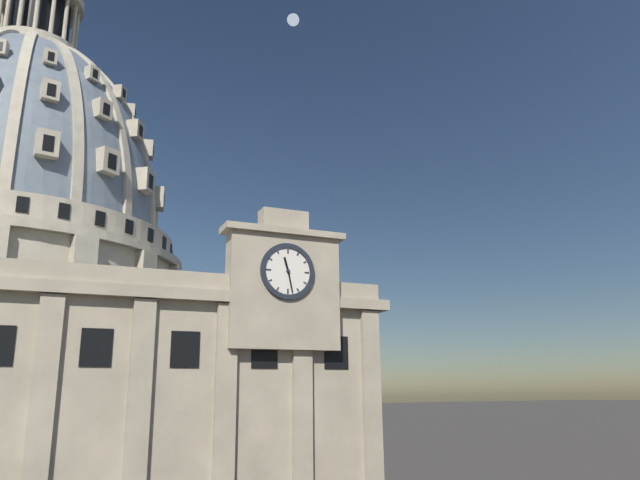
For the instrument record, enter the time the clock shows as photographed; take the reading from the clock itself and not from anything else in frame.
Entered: 11:28
